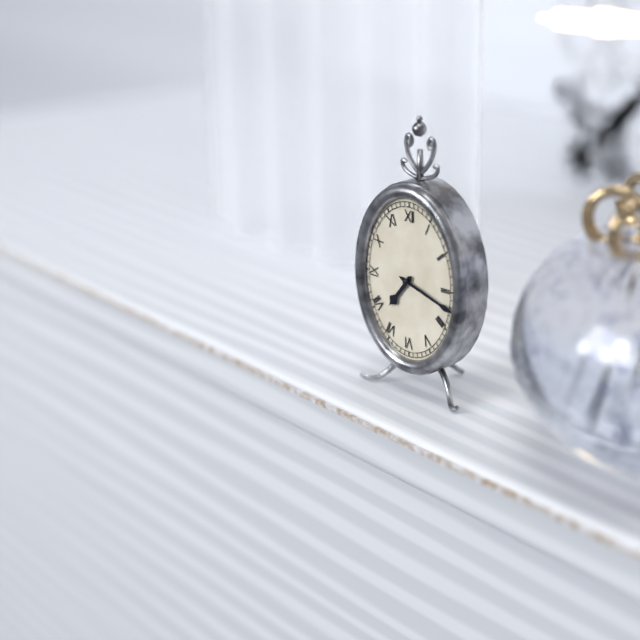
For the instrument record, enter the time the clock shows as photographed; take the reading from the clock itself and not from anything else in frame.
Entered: 7:18
